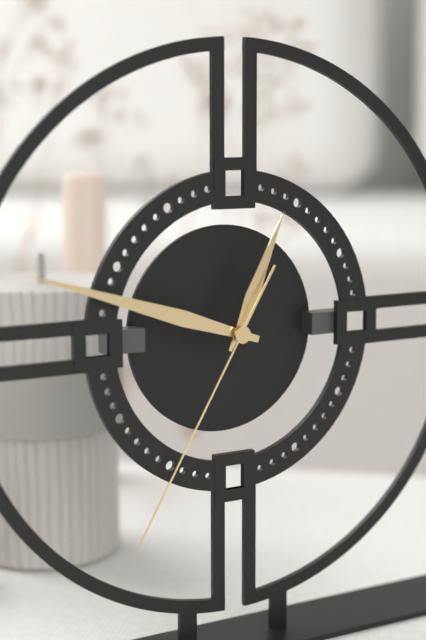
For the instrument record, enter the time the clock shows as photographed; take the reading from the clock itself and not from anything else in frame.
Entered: 12:48:35
